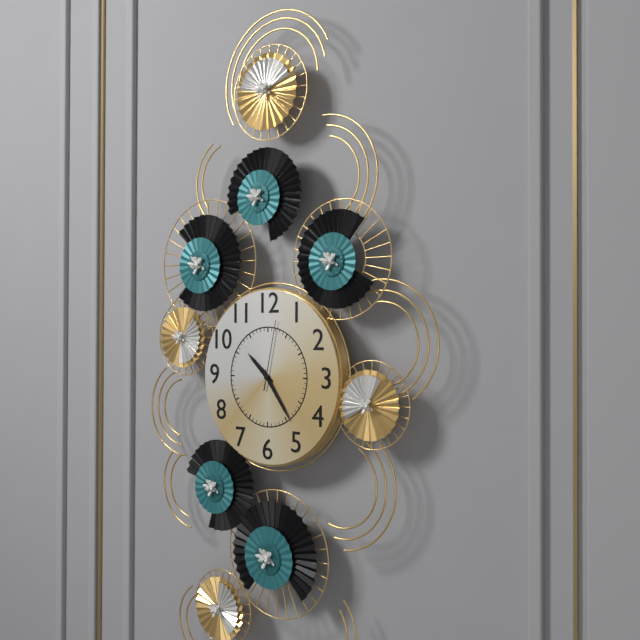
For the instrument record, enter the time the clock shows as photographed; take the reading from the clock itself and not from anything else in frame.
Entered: 10:24:02
